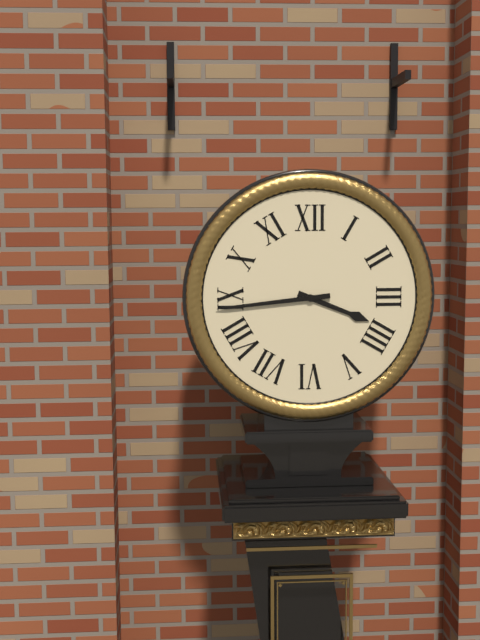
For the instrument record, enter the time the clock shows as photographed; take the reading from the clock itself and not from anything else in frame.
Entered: 3:44
